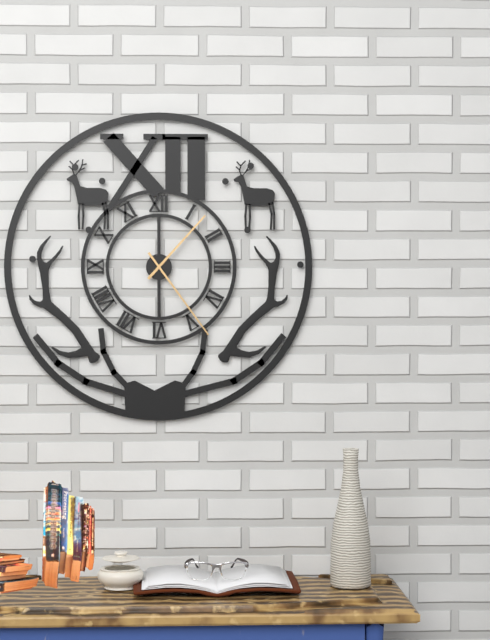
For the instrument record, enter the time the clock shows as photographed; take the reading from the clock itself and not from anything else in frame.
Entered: 1:24
